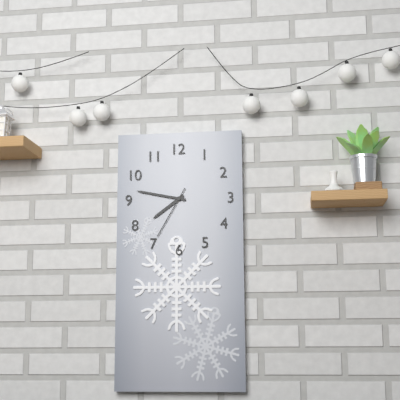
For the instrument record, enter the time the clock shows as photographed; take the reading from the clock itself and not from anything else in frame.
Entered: 7:47:35
